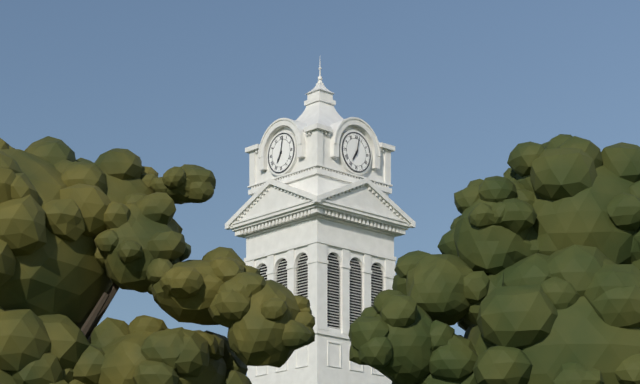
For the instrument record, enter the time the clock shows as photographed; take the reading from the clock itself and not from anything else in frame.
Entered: 7:02
